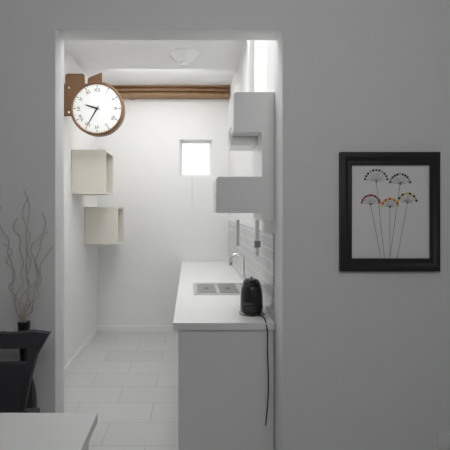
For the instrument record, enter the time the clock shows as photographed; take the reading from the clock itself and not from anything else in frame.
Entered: 9:35
